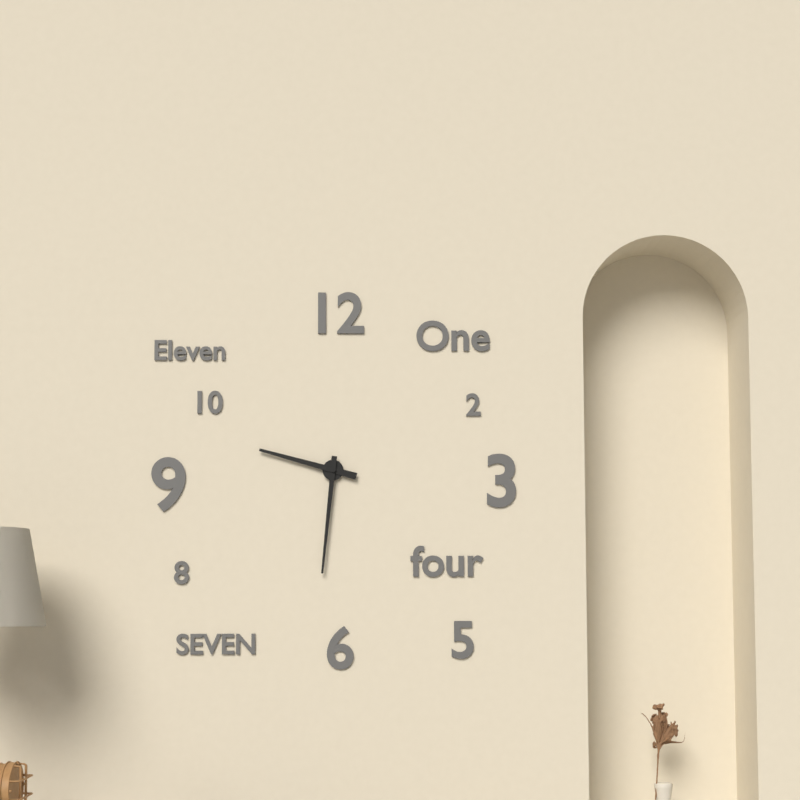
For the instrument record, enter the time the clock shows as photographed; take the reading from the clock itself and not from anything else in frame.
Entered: 9:31
